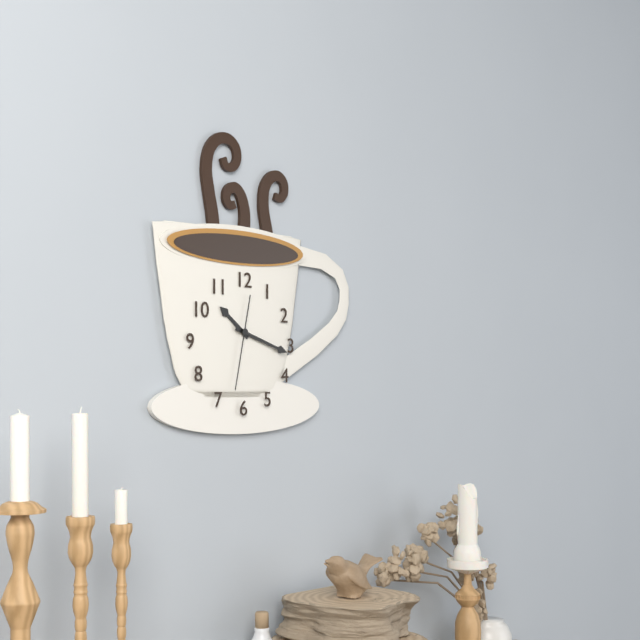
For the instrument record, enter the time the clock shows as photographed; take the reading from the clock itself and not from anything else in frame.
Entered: 10:18:32
